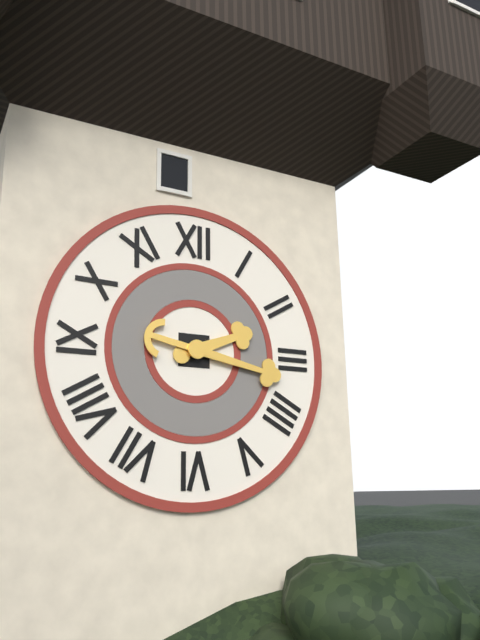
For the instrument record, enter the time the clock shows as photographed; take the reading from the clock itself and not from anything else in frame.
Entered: 2:17
